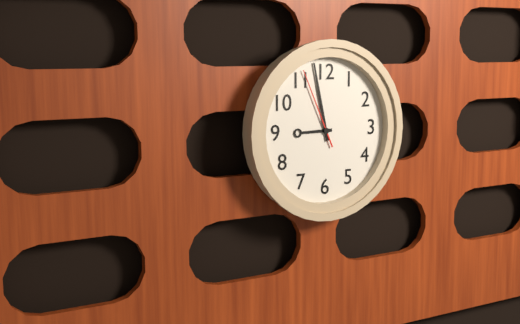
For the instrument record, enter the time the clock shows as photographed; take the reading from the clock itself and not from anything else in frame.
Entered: 8:58:56
